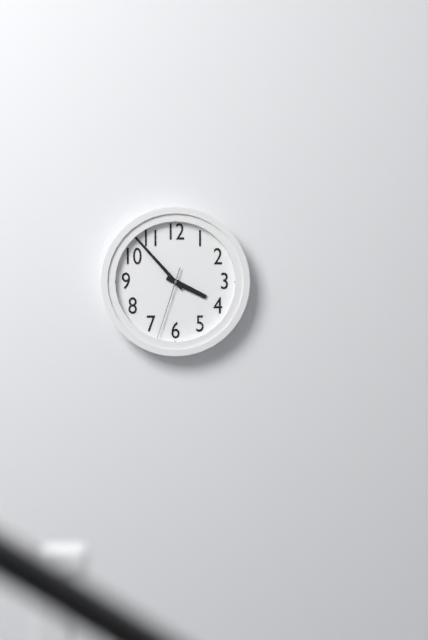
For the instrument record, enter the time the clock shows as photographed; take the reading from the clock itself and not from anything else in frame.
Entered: 3:53:33
